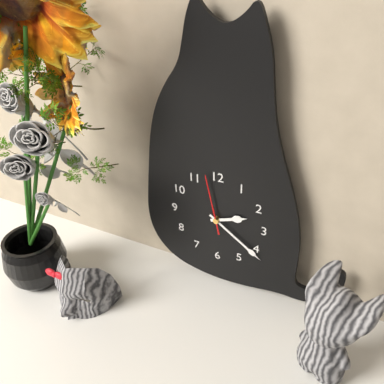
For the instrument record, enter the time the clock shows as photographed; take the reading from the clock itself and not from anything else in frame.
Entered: 2:21:58
